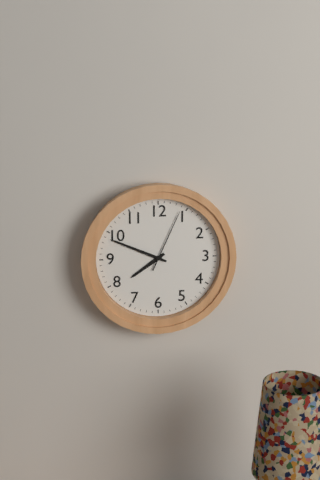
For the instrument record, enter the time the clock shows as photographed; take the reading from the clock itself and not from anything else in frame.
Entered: 7:49:04
